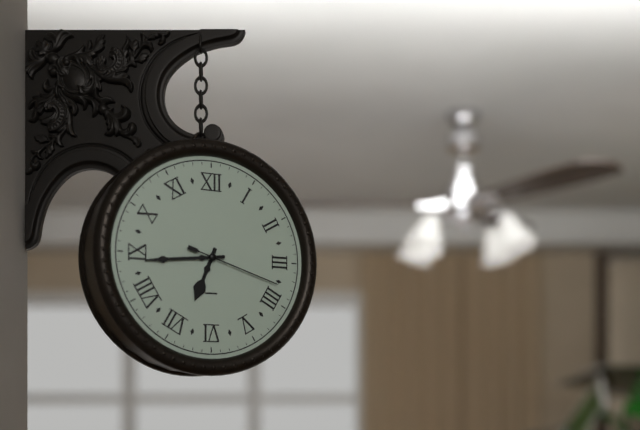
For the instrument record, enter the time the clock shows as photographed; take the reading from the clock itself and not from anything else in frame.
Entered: 6:44:18
